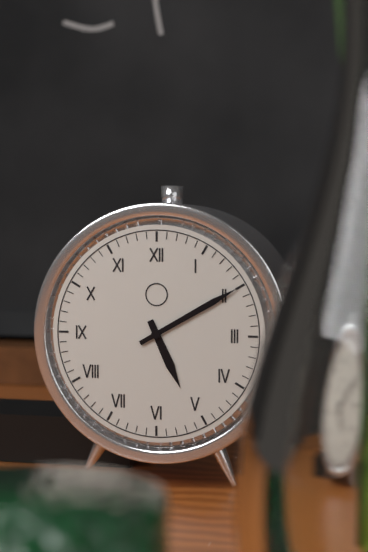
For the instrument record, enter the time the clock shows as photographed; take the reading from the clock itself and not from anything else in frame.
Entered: 5:10
